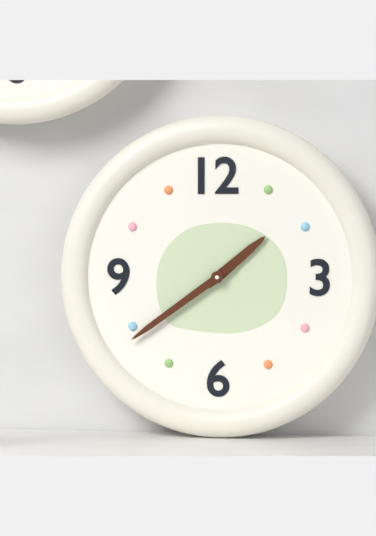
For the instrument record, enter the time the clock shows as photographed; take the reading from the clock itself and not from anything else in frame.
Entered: 1:39
